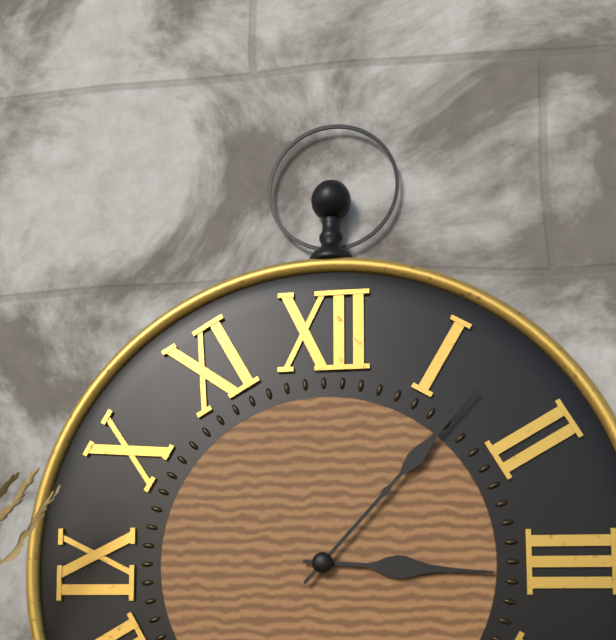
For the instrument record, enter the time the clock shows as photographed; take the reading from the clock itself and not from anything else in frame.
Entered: 3:07
